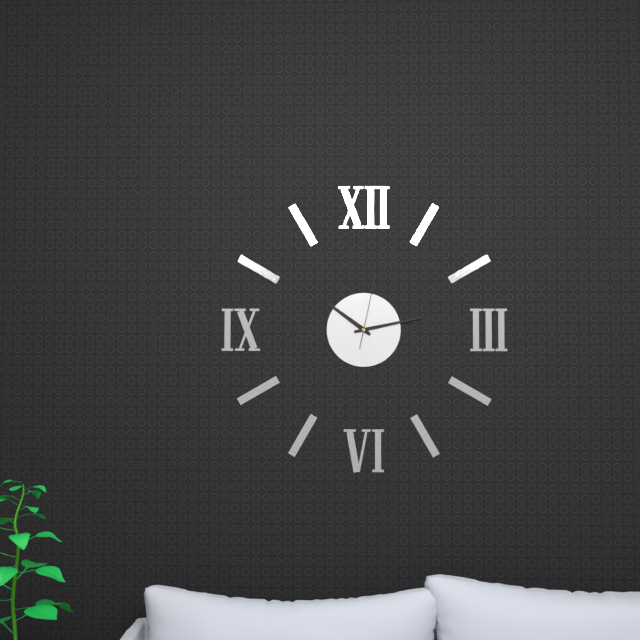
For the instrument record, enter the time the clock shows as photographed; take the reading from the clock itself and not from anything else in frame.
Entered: 10:13:02
